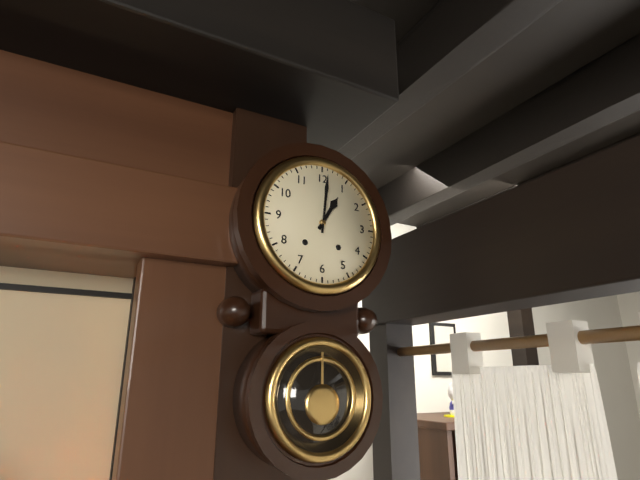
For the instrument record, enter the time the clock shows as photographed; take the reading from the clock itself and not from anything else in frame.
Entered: 1:01
